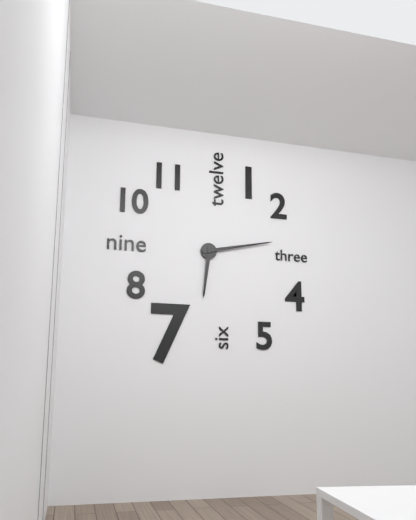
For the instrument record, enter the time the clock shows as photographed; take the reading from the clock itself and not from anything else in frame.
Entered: 6:13
